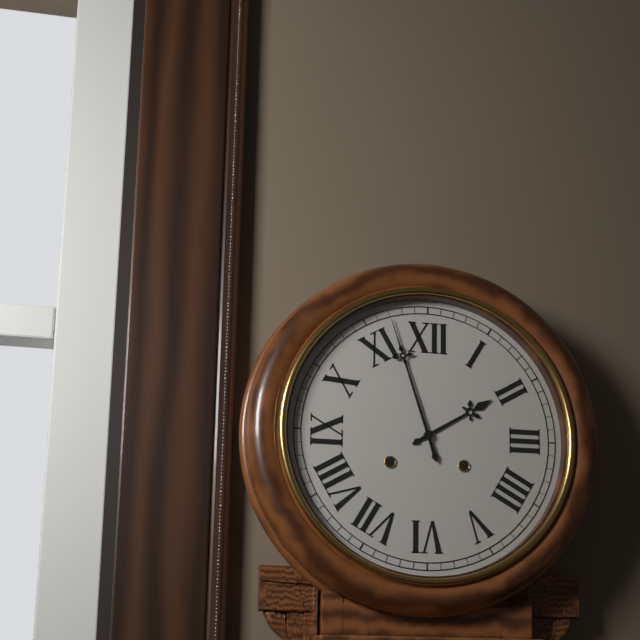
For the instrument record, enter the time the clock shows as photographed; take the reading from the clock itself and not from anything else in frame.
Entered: 1:57
